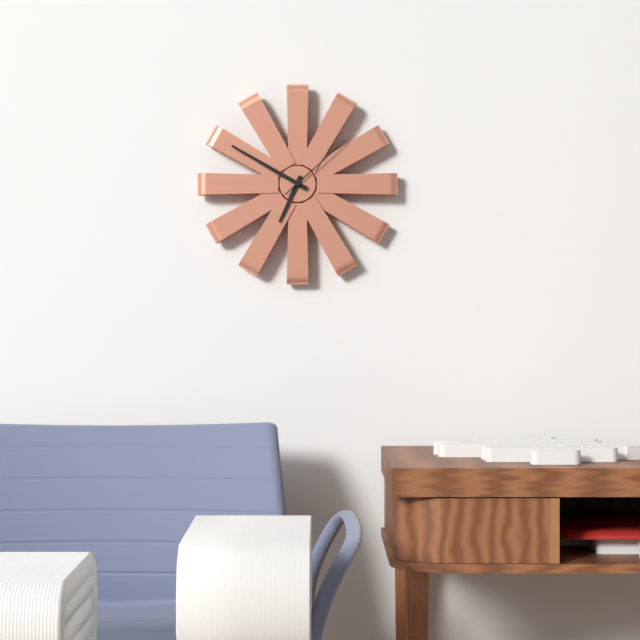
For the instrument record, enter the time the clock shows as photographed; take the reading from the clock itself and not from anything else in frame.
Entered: 6:50:08
